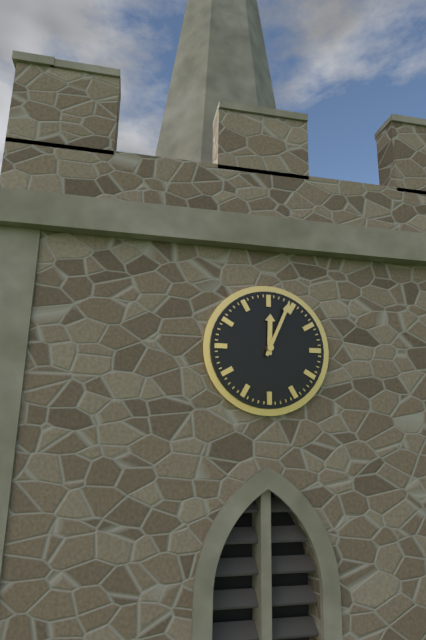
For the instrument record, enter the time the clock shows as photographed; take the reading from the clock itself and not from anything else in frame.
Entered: 12:04
